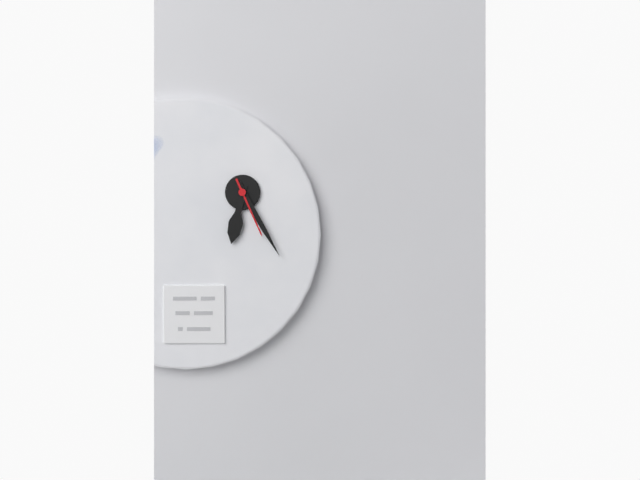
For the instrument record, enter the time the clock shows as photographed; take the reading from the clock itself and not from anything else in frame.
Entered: 6:25:26
